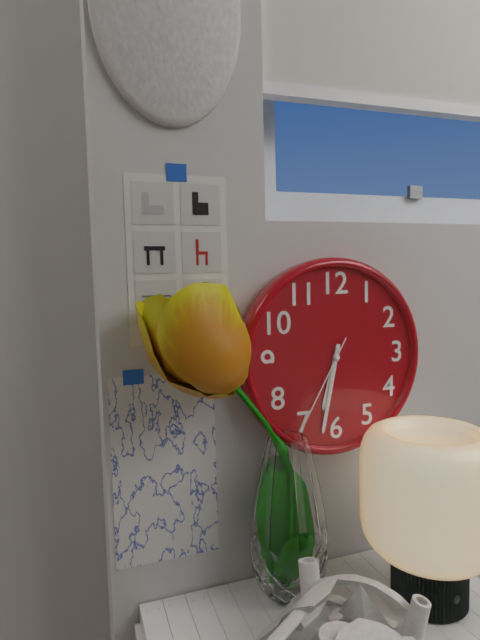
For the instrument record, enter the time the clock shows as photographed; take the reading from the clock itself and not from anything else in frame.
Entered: 6:32:35
